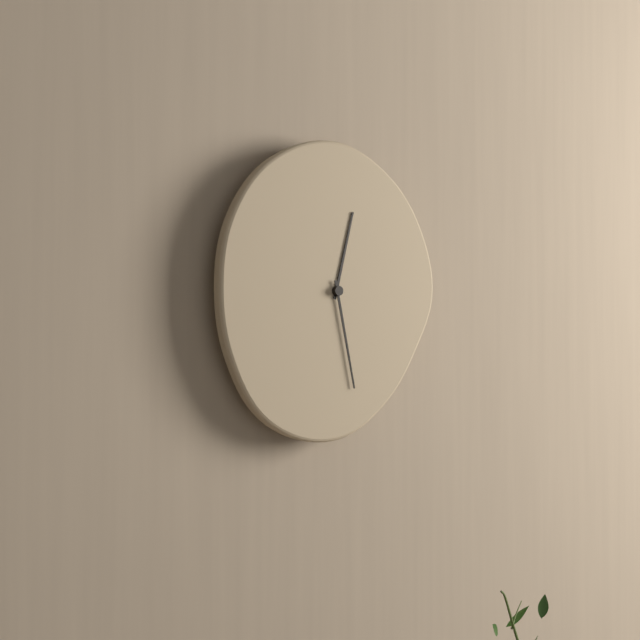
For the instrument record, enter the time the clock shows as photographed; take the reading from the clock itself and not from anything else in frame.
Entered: 12:28
